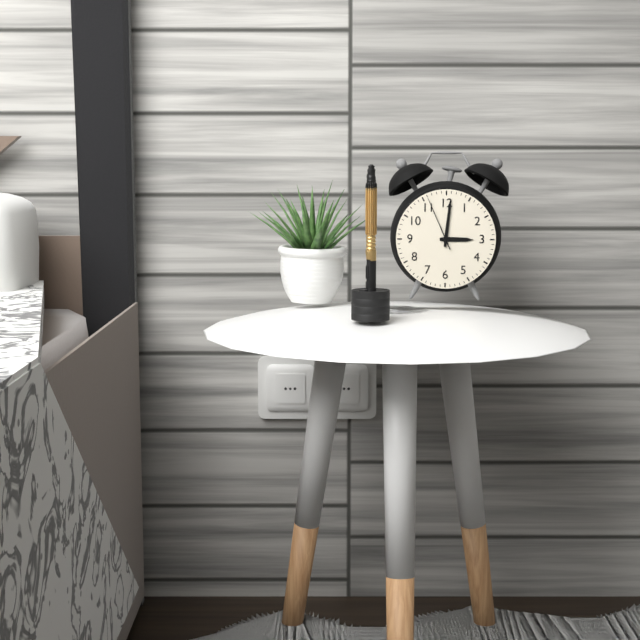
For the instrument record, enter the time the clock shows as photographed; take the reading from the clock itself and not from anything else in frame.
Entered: 3:01:56
